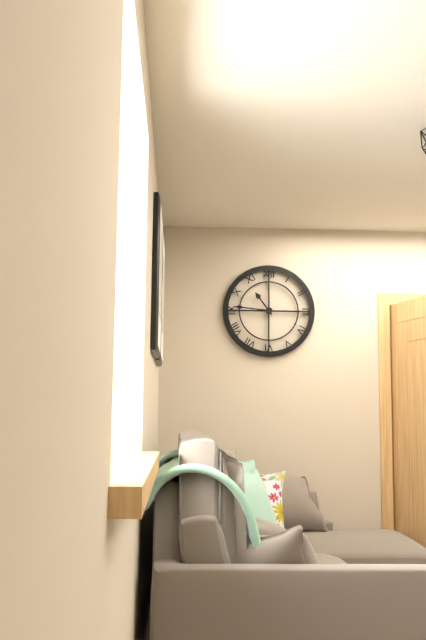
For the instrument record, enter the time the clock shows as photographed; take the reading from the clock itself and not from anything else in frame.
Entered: 10:46
